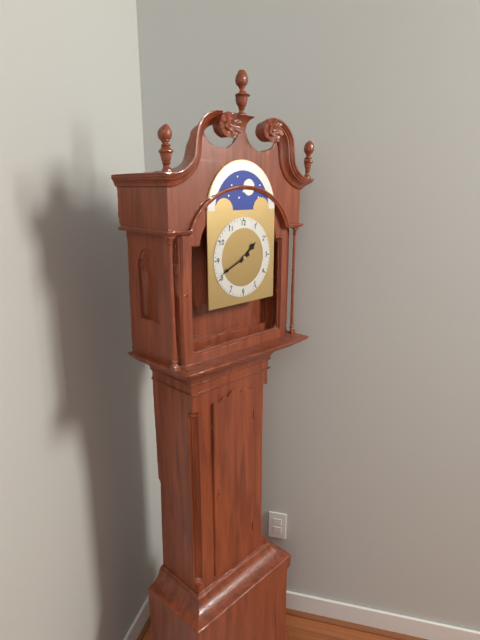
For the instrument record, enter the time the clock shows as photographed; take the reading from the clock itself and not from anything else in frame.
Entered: 1:41
